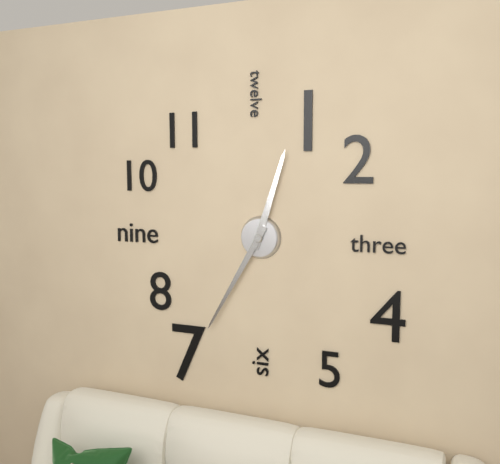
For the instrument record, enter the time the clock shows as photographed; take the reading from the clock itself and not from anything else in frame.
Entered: 12:35
